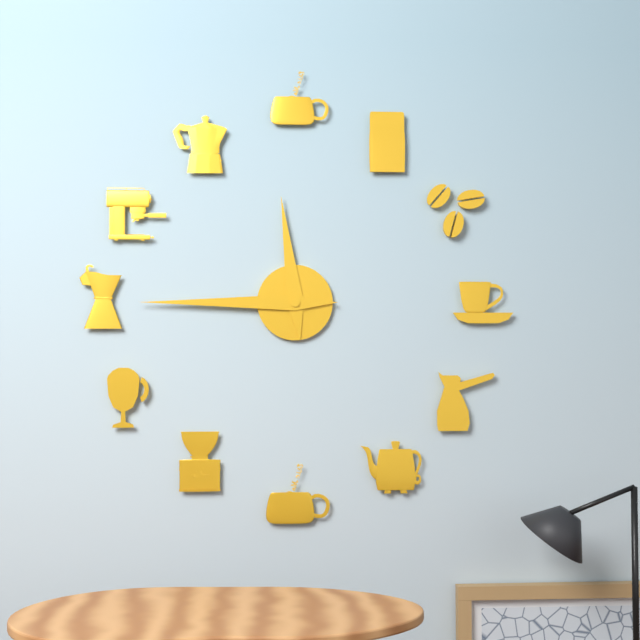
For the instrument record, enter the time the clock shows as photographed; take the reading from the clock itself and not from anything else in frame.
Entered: 11:45
